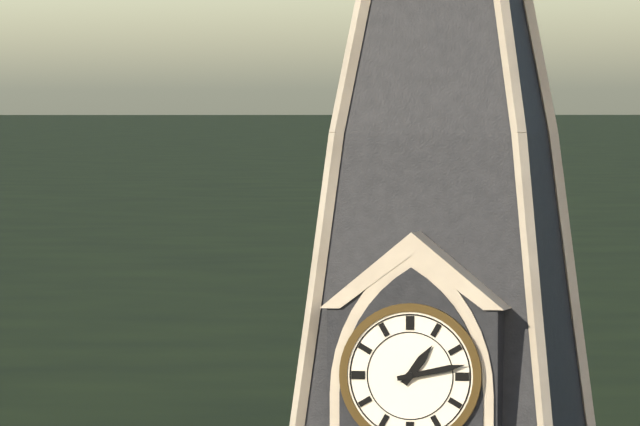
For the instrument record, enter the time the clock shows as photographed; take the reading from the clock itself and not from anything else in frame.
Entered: 1:13
